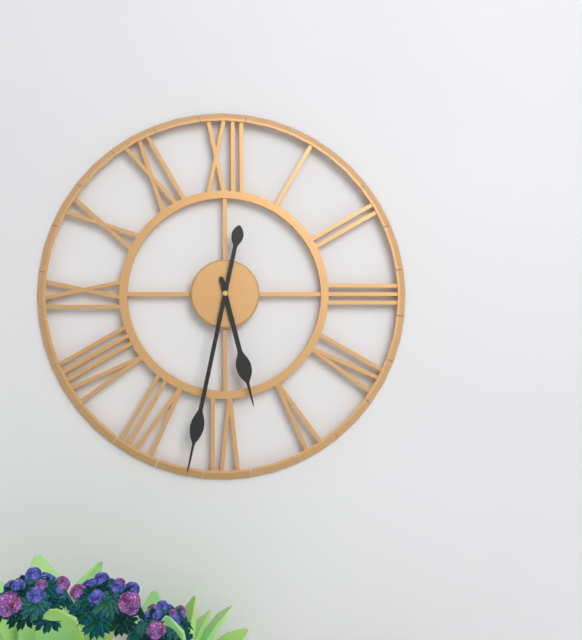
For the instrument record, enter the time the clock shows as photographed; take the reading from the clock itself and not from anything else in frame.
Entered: 5:32
